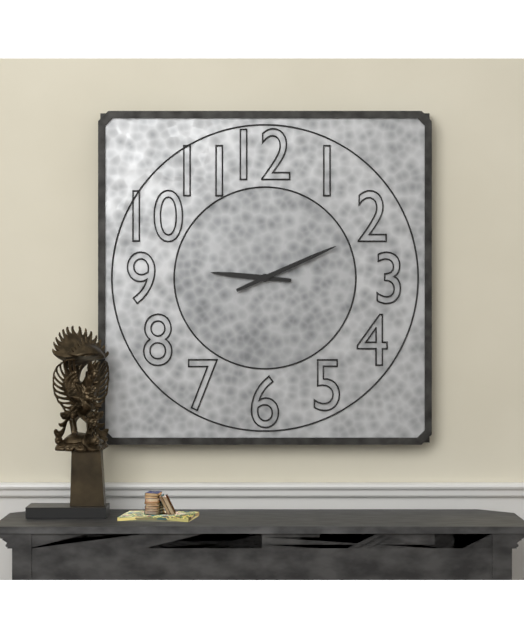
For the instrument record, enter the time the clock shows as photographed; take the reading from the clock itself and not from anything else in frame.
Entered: 9:11
